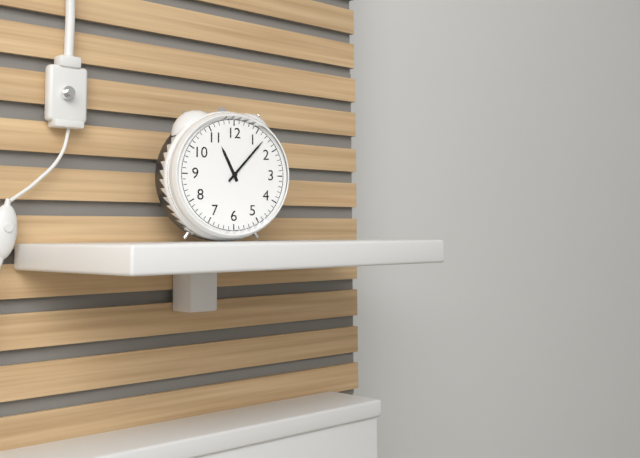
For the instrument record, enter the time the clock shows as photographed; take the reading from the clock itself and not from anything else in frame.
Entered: 11:07
